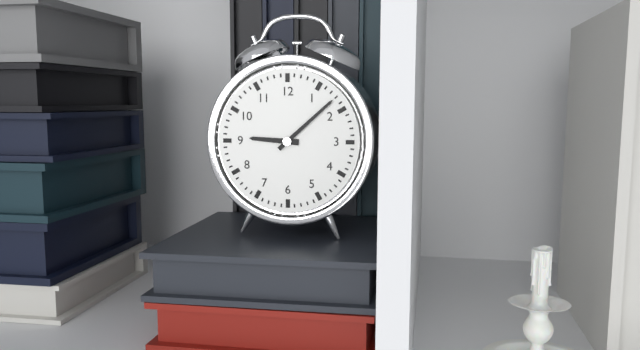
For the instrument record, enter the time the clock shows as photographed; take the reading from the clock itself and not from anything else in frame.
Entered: 9:08
